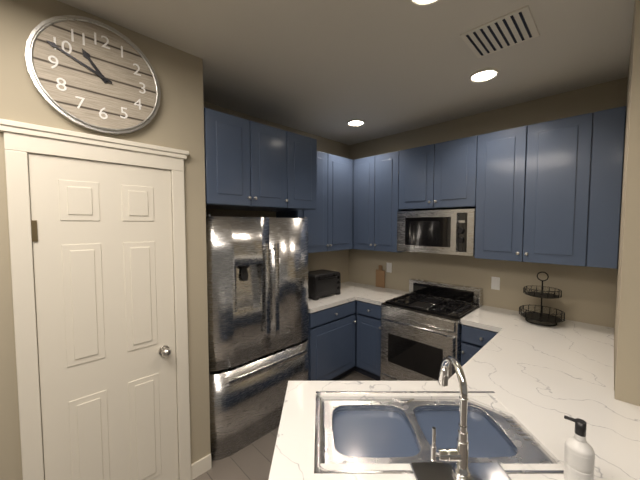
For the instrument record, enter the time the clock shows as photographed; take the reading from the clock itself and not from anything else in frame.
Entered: 10:49
